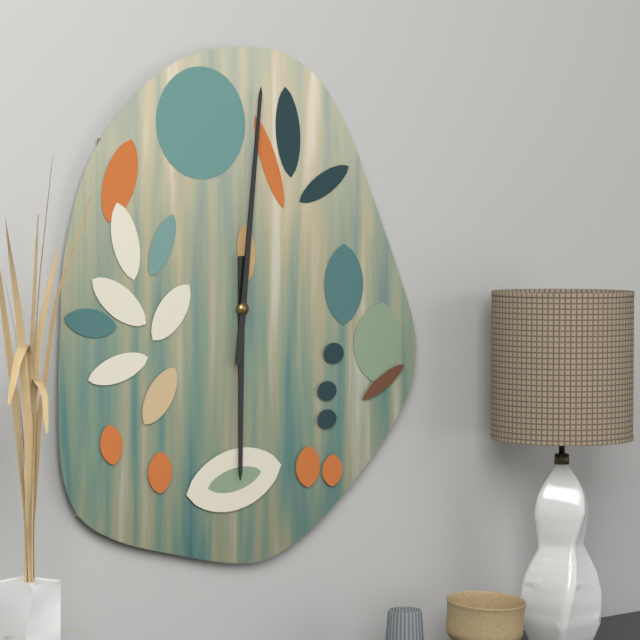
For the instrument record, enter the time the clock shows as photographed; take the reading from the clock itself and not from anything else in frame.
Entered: 6:01
